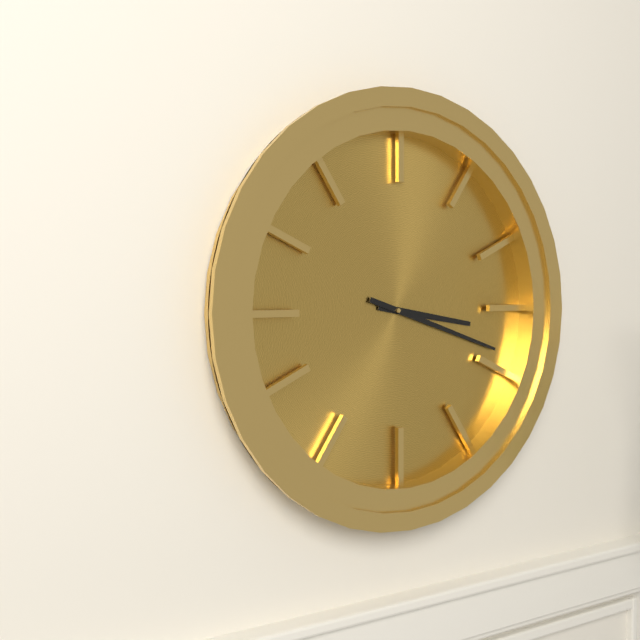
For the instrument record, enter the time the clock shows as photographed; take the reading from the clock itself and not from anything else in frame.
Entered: 3:18
